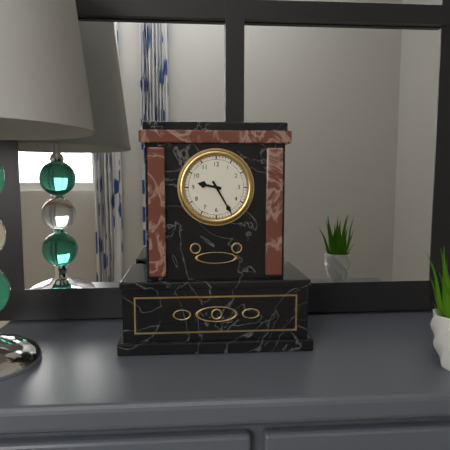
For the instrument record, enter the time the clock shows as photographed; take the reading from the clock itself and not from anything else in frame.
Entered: 9:25
